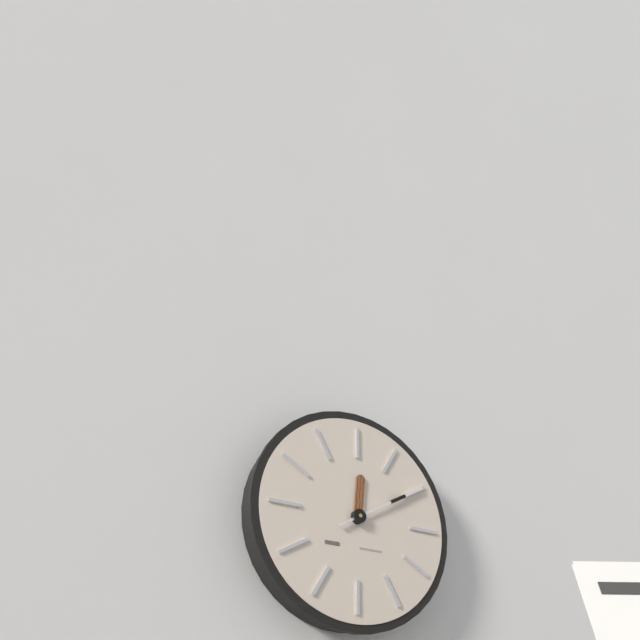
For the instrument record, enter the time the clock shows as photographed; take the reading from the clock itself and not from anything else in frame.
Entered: 12:10
